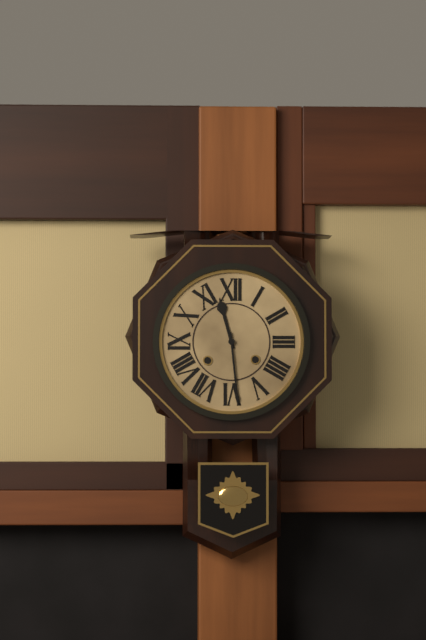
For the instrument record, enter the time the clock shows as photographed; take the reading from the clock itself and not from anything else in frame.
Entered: 11:29
